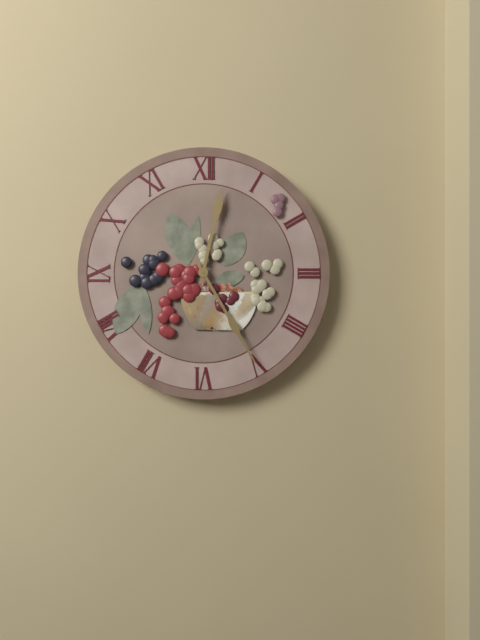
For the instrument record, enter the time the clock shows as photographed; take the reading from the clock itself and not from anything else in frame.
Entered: 12:25
